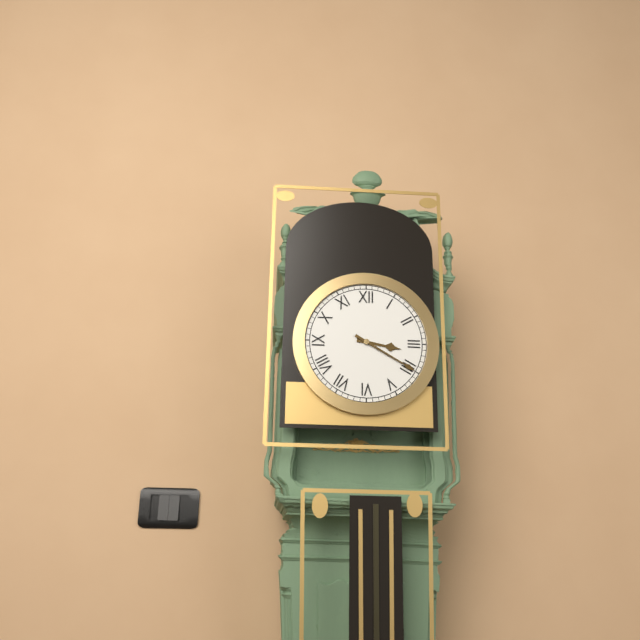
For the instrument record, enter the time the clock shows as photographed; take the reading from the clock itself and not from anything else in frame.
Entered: 3:20
